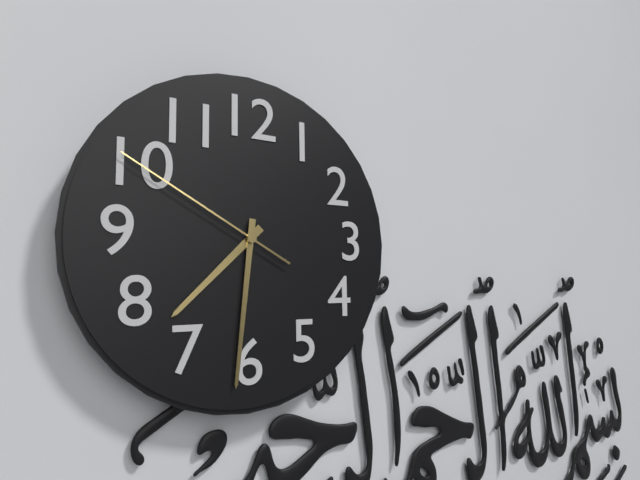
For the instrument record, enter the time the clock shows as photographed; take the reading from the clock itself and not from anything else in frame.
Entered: 7:31:50
